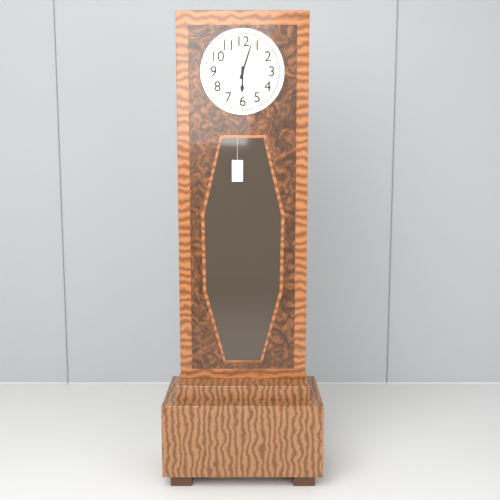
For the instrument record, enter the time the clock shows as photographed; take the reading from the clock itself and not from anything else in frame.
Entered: 6:03
